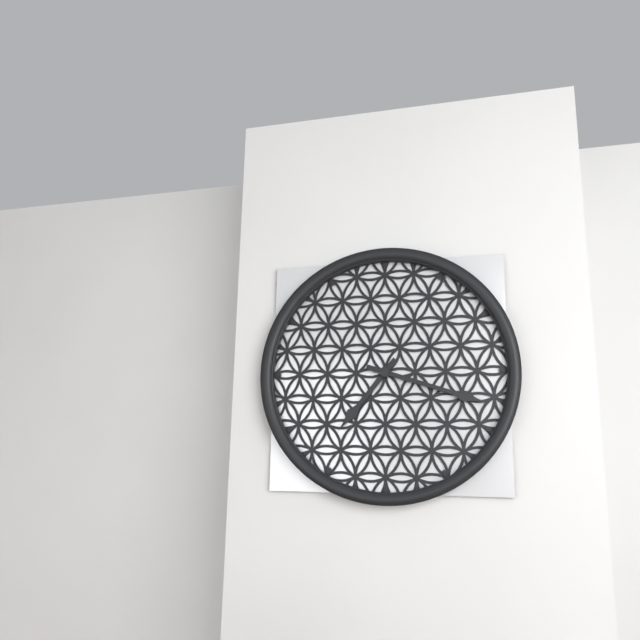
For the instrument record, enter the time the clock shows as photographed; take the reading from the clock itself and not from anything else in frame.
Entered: 7:18
